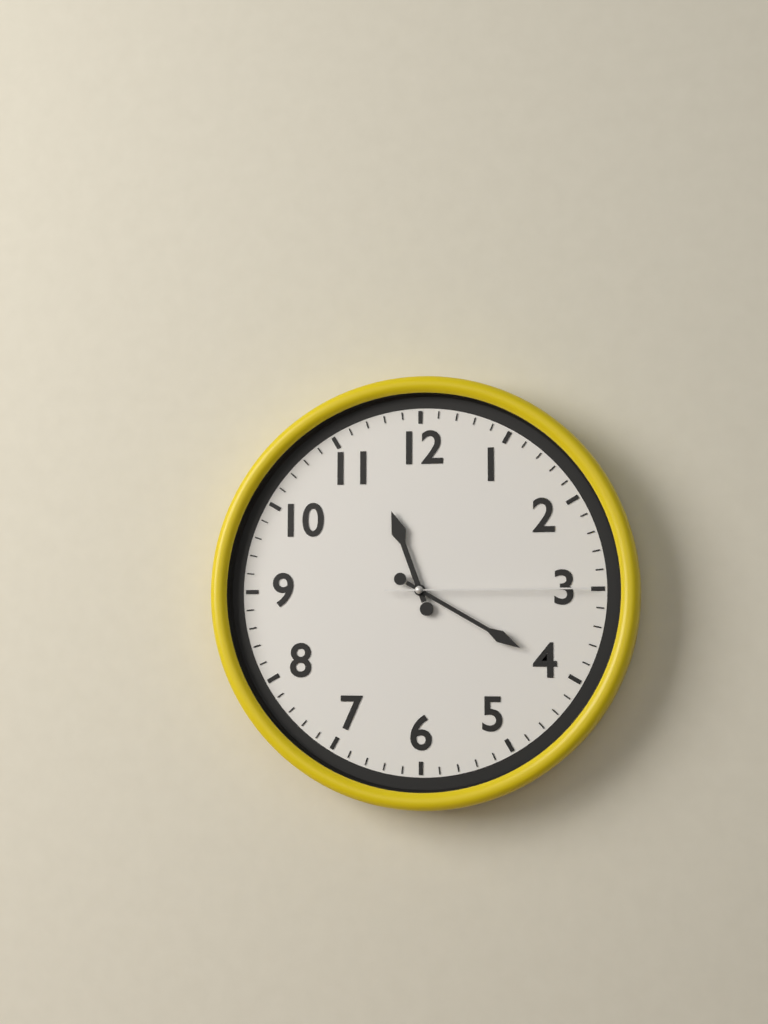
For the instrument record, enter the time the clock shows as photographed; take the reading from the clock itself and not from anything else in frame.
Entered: 11:20:15
